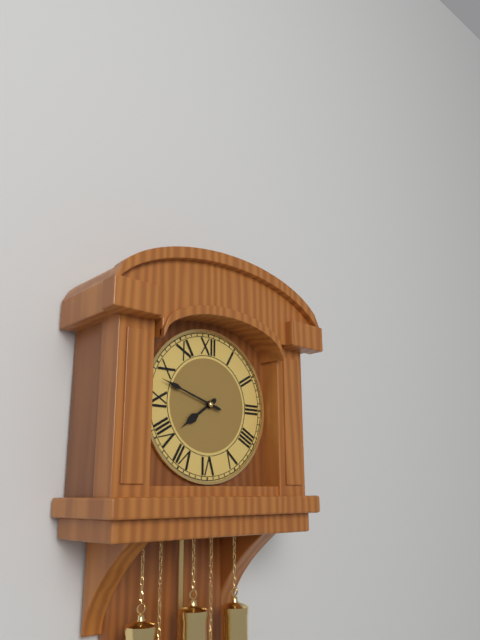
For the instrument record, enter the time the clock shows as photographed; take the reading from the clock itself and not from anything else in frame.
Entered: 7:48
